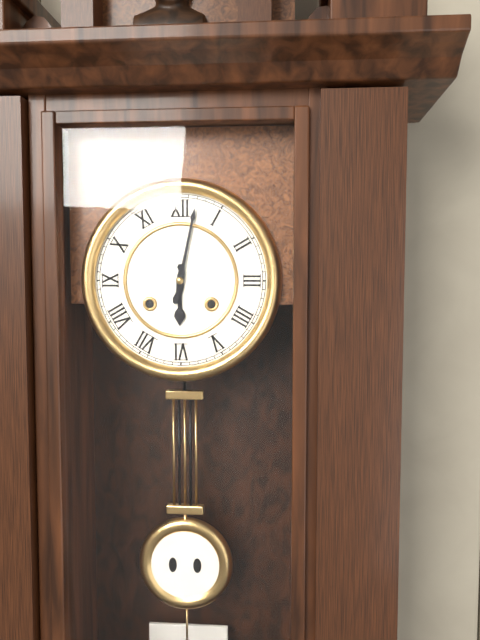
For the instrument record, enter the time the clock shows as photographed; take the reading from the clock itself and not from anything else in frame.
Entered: 6:02
